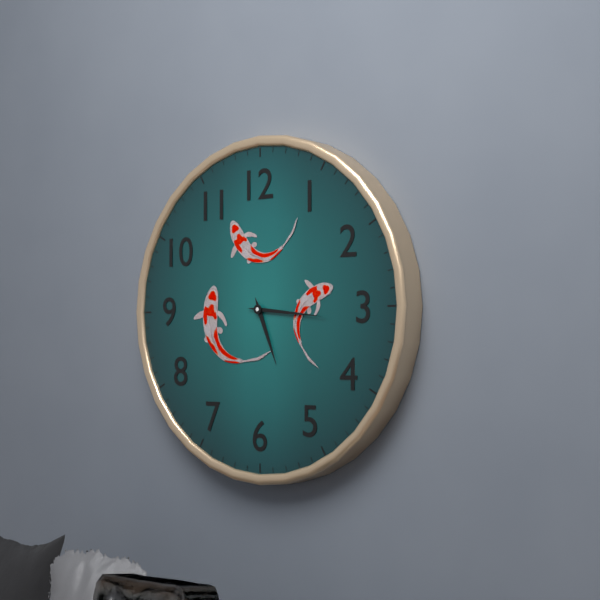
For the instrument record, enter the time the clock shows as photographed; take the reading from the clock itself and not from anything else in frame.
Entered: 5:16
